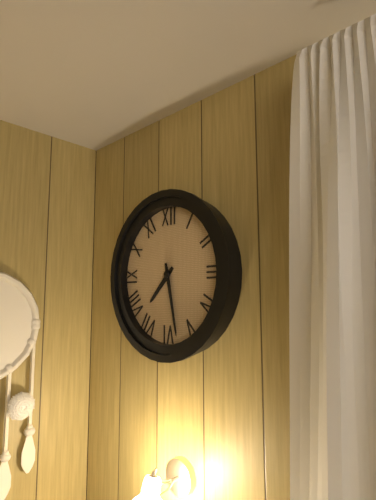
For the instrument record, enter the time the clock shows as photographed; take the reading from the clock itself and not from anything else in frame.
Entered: 7:28
